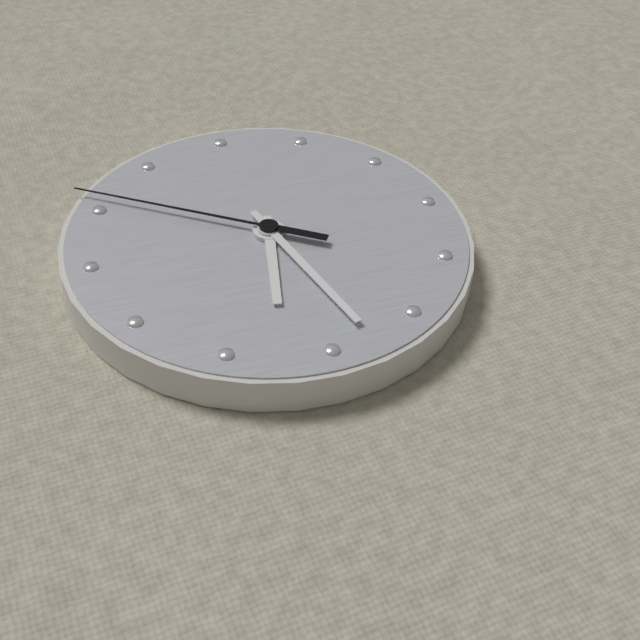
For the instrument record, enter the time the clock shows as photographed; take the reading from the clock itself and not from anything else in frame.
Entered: 6:28:51
